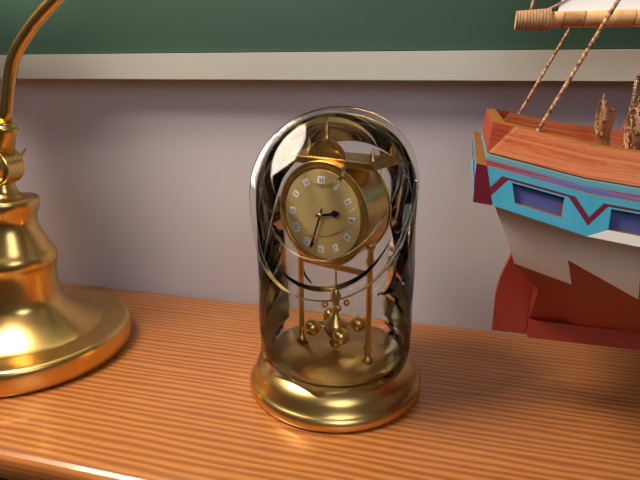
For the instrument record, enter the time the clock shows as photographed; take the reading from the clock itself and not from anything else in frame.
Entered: 2:33
